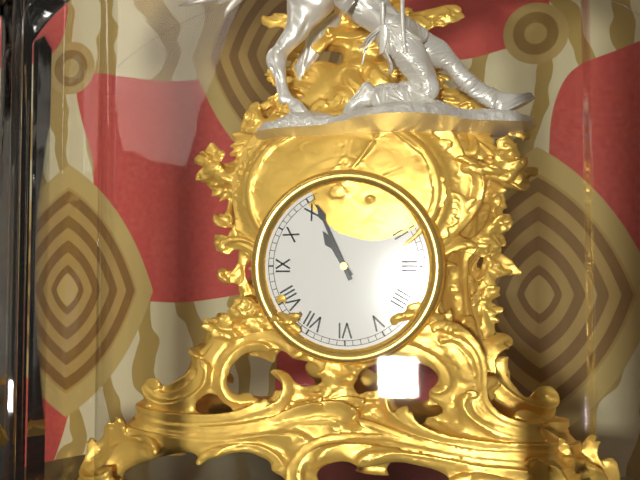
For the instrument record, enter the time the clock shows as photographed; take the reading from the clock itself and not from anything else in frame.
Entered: 10:56
